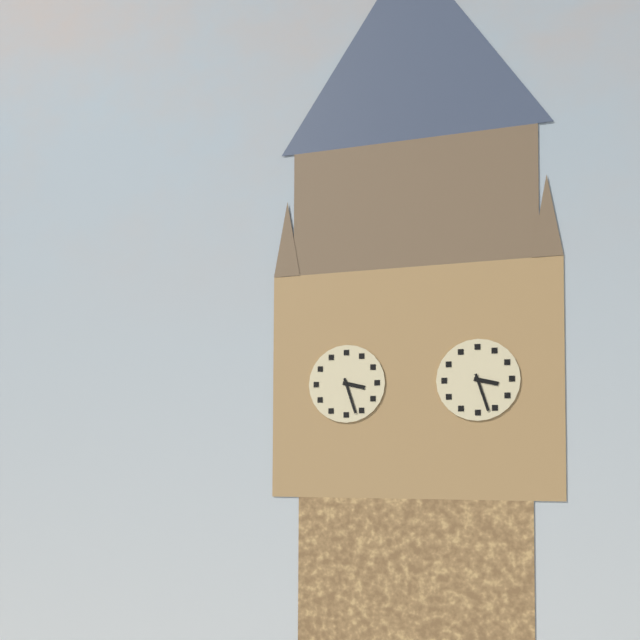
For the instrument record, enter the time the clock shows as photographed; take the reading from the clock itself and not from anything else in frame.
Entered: 3:27
